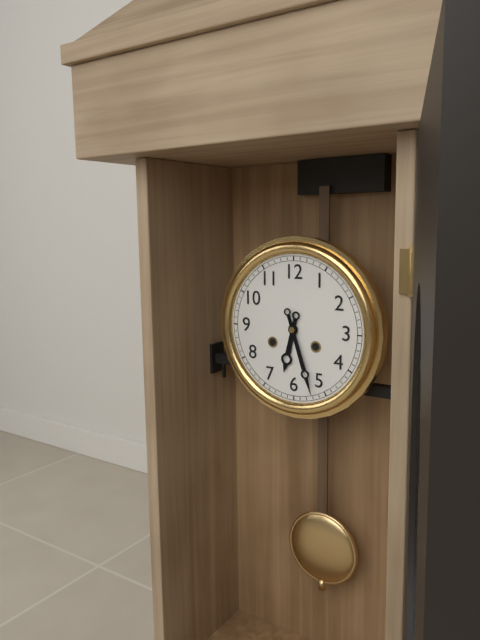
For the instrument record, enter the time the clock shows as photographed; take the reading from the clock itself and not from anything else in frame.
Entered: 6:27
